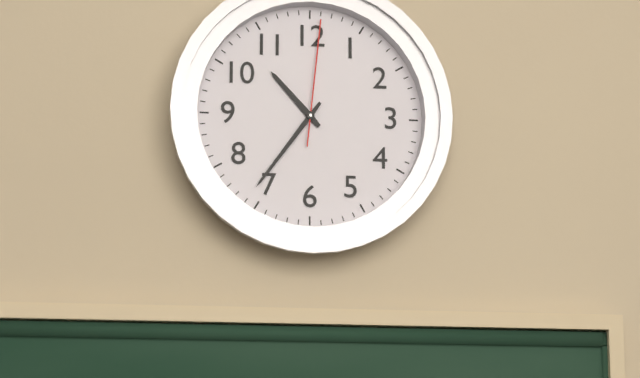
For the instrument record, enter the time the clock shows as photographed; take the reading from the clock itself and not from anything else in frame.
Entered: 10:36:01
